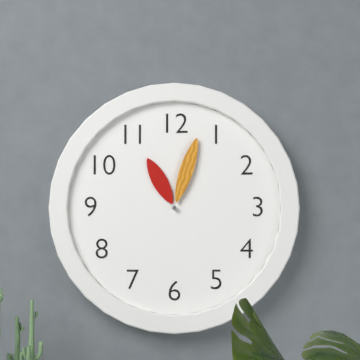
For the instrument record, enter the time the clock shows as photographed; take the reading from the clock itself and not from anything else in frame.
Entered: 11:03
